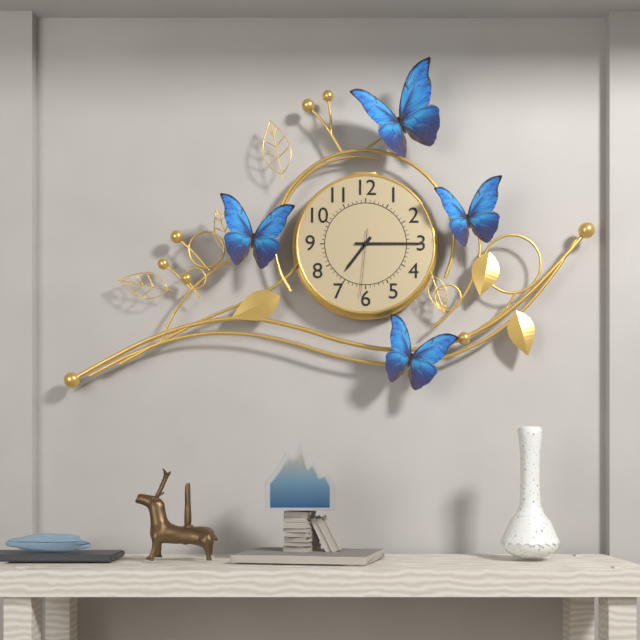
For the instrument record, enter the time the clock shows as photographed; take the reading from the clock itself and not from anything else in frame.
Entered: 7:15:31
